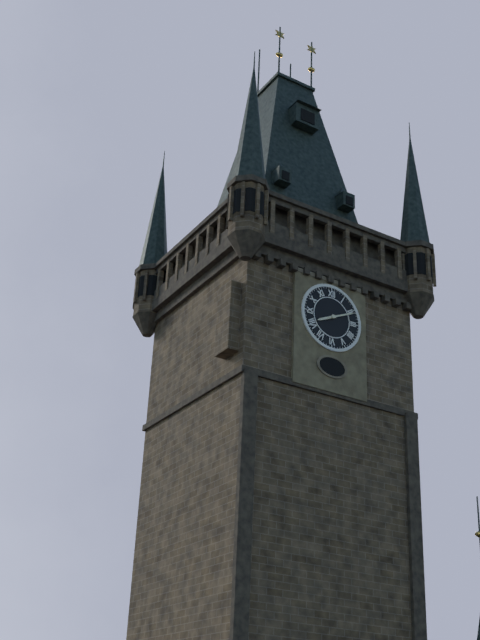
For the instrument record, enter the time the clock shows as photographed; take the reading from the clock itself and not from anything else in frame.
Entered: 8:11
